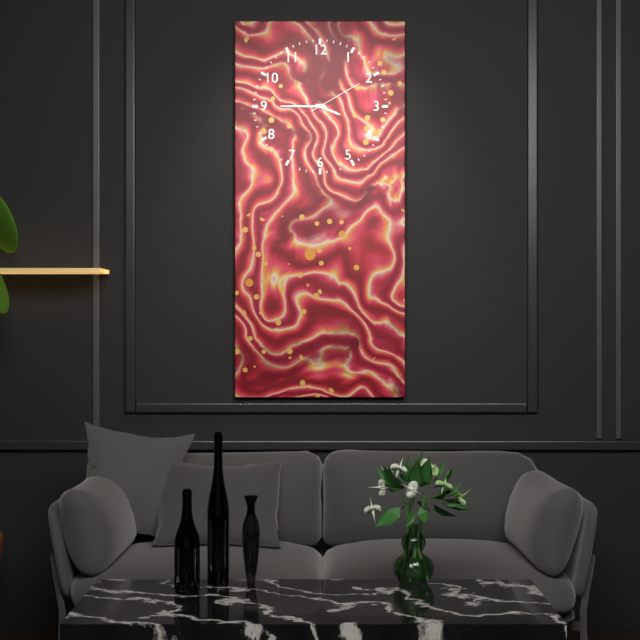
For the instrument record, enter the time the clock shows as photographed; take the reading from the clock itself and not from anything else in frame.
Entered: 3:45:10
